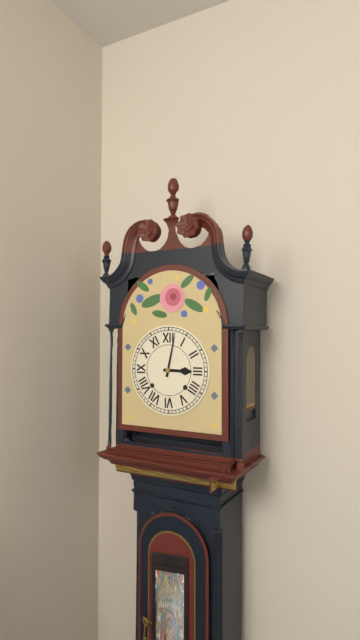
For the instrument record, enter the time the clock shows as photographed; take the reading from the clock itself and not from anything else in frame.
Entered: 3:02
